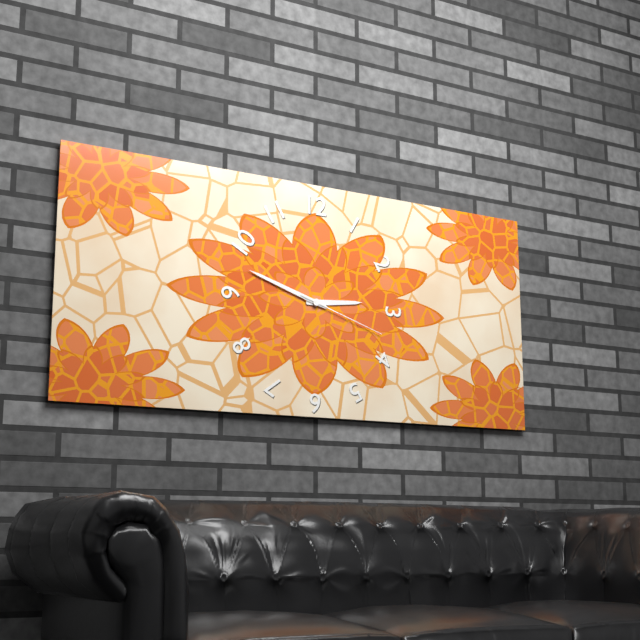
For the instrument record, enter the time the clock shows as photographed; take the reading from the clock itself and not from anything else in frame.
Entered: 2:48:18
